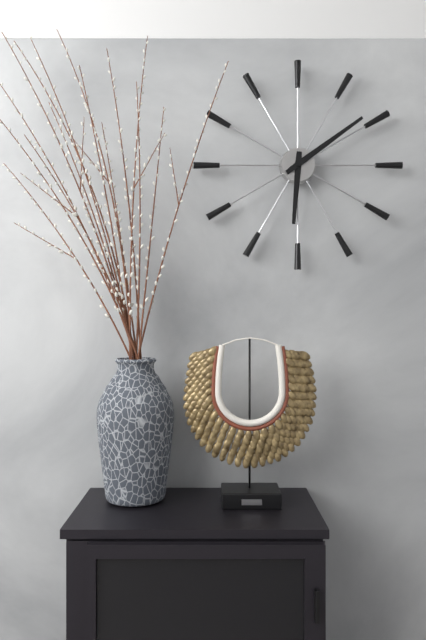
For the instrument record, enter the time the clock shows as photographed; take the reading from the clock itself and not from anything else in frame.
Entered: 6:09
